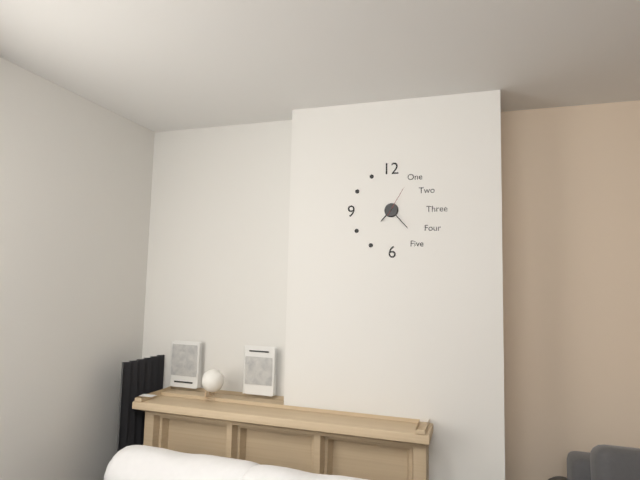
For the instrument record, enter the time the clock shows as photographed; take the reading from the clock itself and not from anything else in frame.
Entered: 7:23
